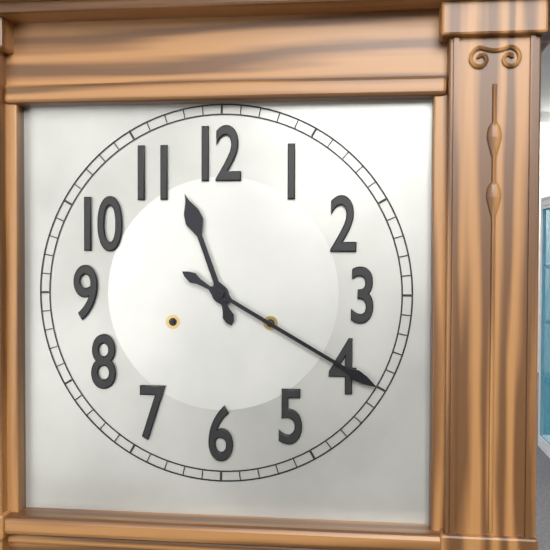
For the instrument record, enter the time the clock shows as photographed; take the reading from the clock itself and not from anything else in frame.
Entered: 11:20
